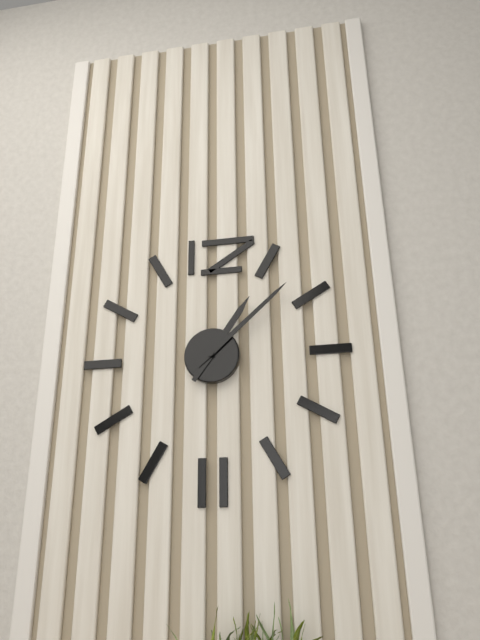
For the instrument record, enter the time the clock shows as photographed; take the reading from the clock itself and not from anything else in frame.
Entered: 1:08
